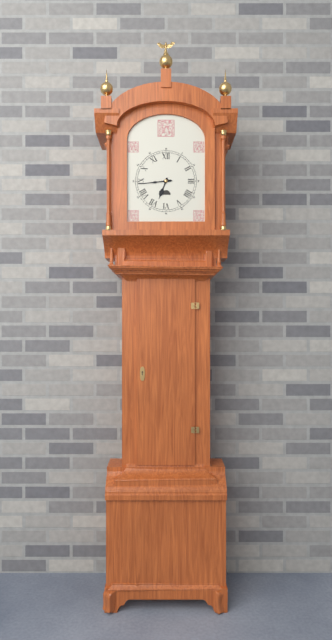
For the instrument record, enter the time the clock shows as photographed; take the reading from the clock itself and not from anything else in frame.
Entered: 6:44
